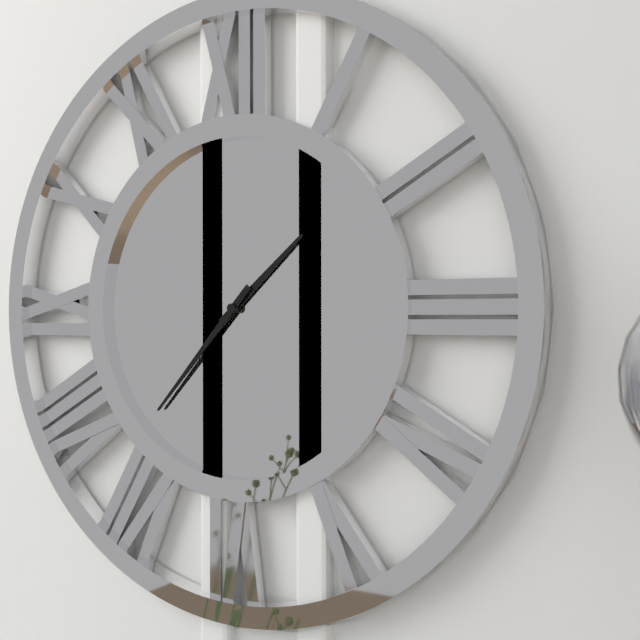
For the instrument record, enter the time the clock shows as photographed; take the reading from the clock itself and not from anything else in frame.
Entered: 1:37
